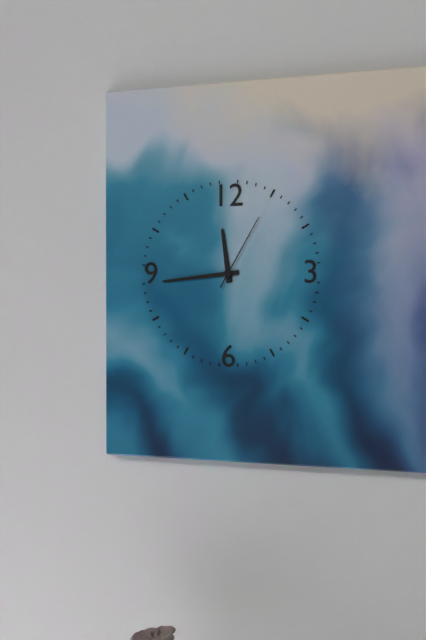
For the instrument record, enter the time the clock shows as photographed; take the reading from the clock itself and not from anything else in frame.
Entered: 11:44:05
